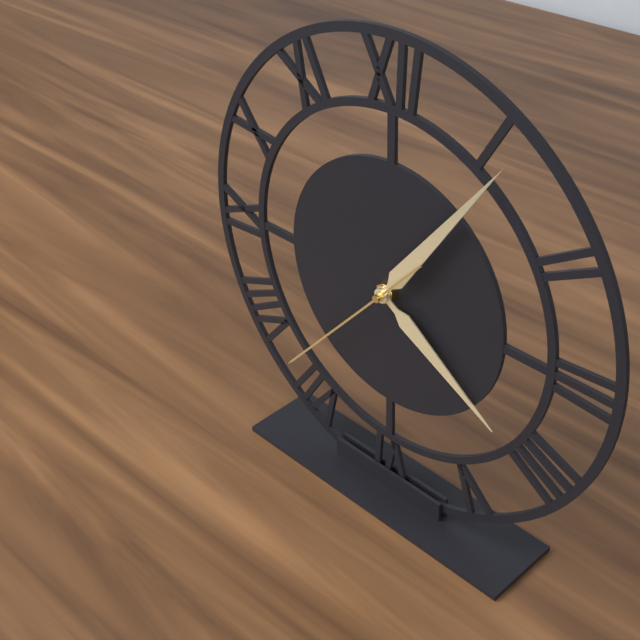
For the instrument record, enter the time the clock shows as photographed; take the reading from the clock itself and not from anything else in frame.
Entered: 4:06:37
